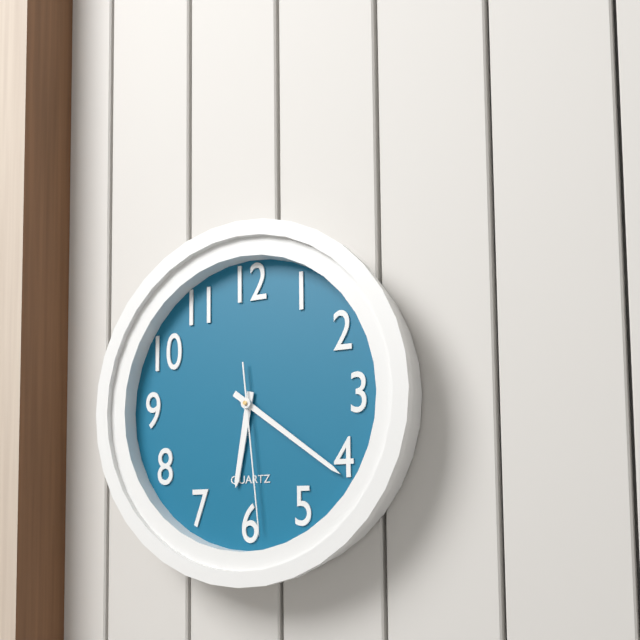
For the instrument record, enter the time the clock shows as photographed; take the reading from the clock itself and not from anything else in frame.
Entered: 6:21:29
